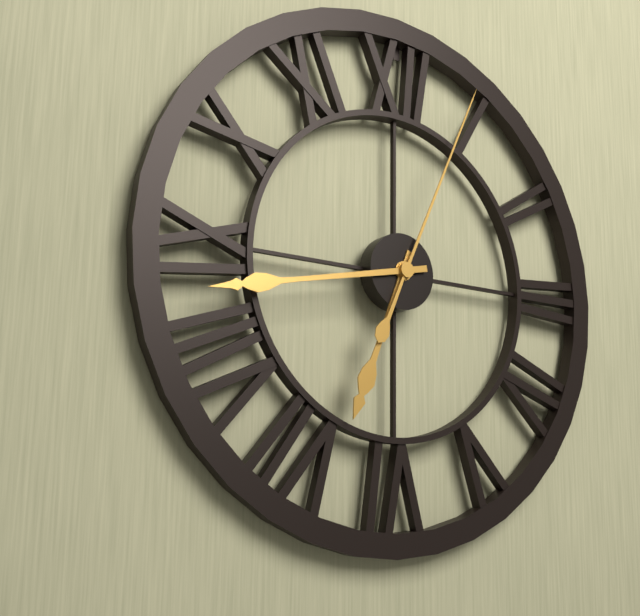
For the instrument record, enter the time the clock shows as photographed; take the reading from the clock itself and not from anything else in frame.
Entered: 6:43:04
